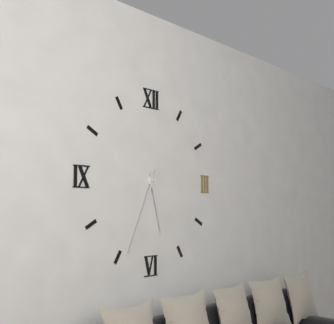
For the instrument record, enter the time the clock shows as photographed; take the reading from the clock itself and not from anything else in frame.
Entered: 5:34
